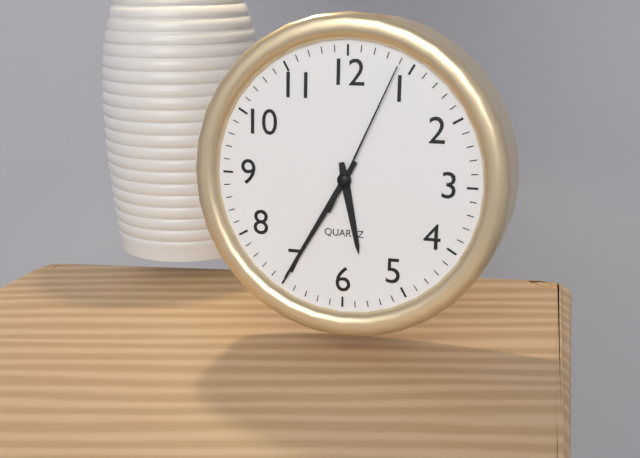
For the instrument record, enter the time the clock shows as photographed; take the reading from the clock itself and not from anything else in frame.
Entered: 5:35:04
